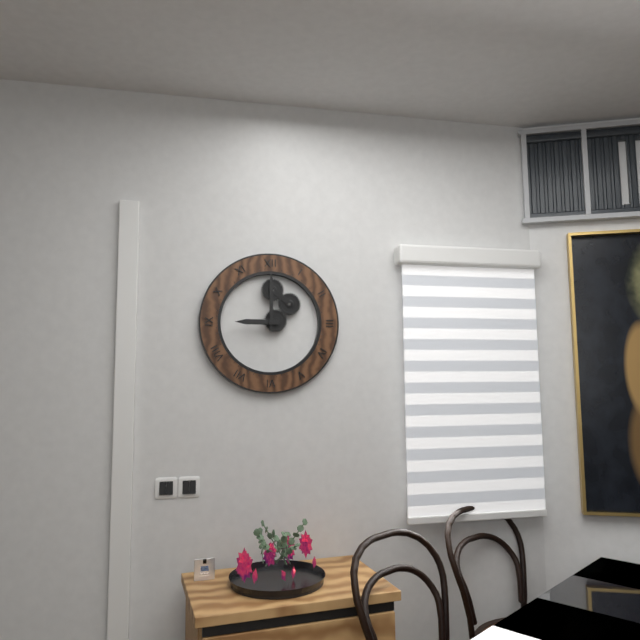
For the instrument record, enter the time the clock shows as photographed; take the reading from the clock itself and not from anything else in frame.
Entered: 9:00
